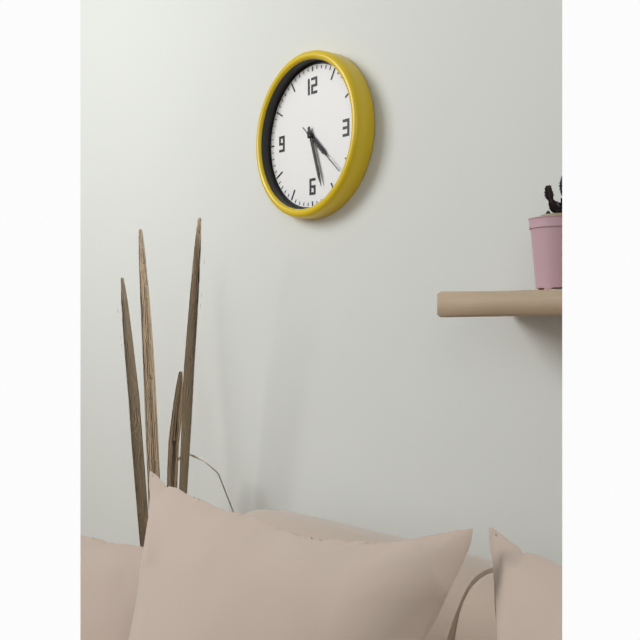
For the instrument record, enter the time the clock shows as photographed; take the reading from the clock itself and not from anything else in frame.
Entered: 4:27:22
